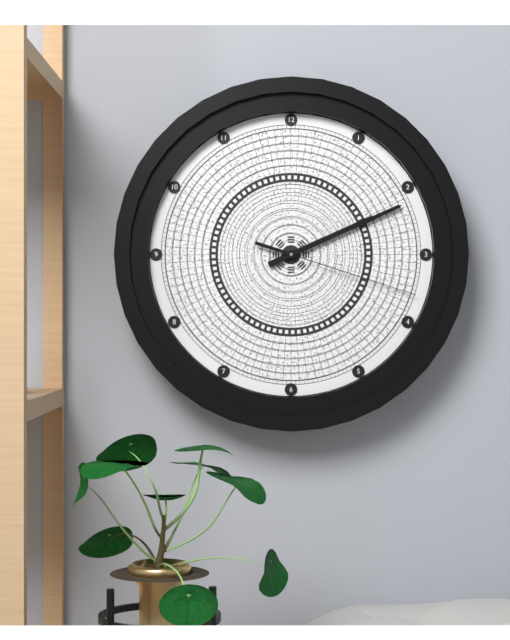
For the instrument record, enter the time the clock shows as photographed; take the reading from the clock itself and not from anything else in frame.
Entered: 2:11:18
